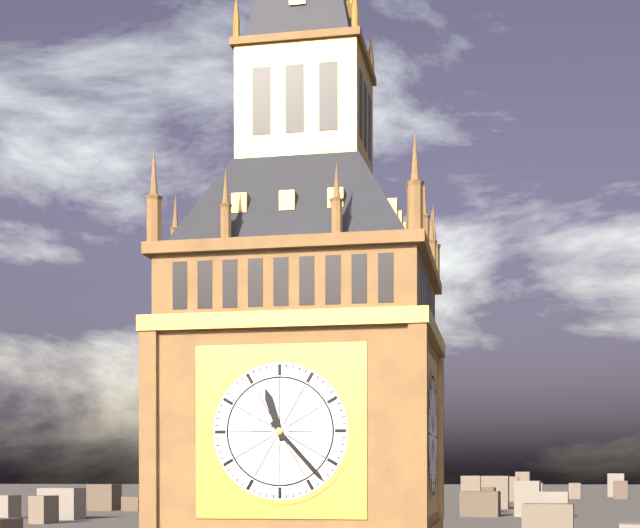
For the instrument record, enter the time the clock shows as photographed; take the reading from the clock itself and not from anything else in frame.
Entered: 11:23
